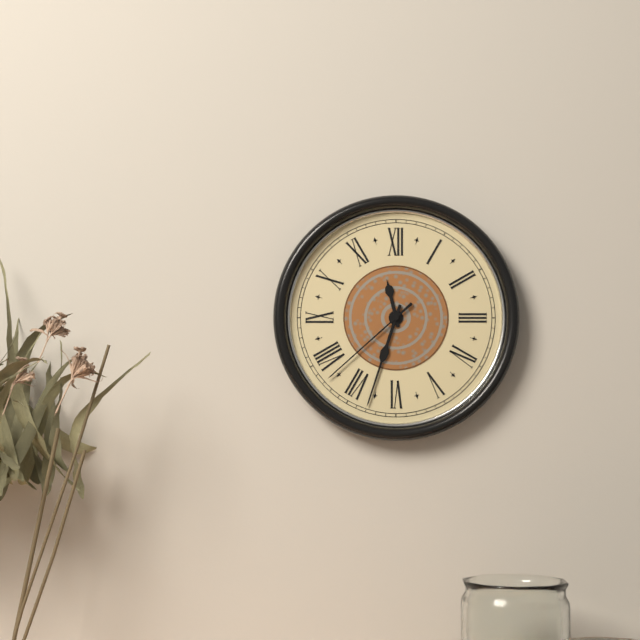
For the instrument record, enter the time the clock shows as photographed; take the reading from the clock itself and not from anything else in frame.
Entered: 11:33:38
